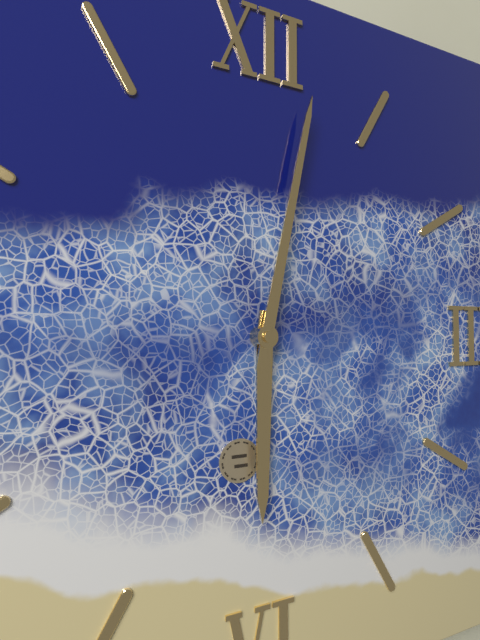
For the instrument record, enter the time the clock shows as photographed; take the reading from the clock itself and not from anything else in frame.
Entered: 6:02
